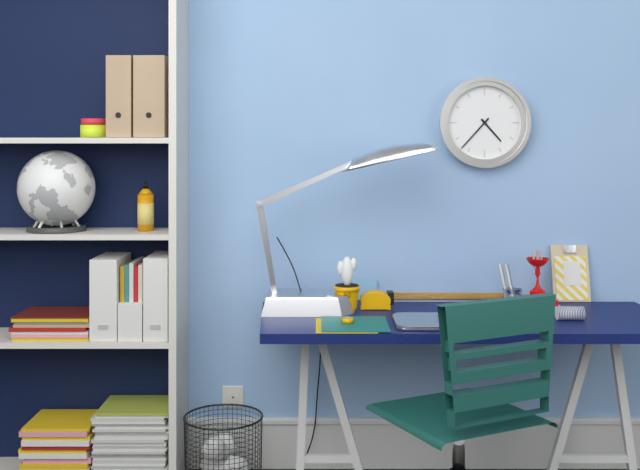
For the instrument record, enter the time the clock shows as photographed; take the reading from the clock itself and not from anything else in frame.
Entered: 4:37
